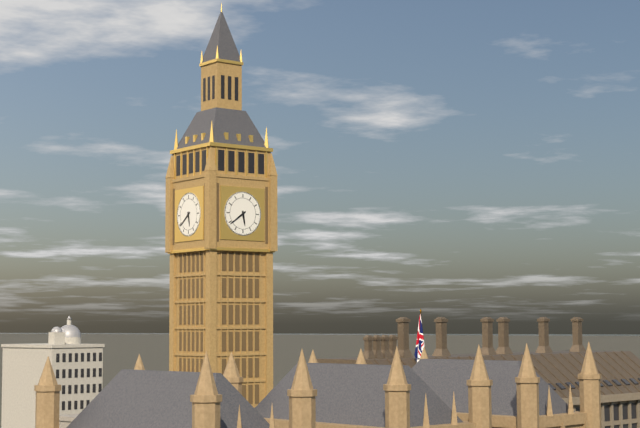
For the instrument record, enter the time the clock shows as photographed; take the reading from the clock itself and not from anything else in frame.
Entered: 5:39
